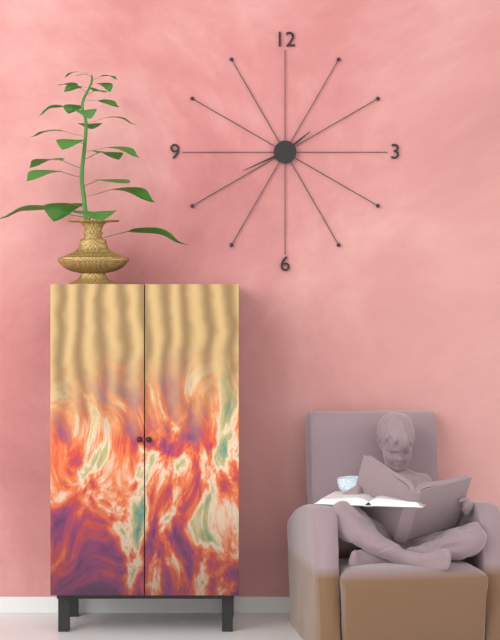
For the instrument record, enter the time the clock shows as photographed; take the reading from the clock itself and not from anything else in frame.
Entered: 1:41
